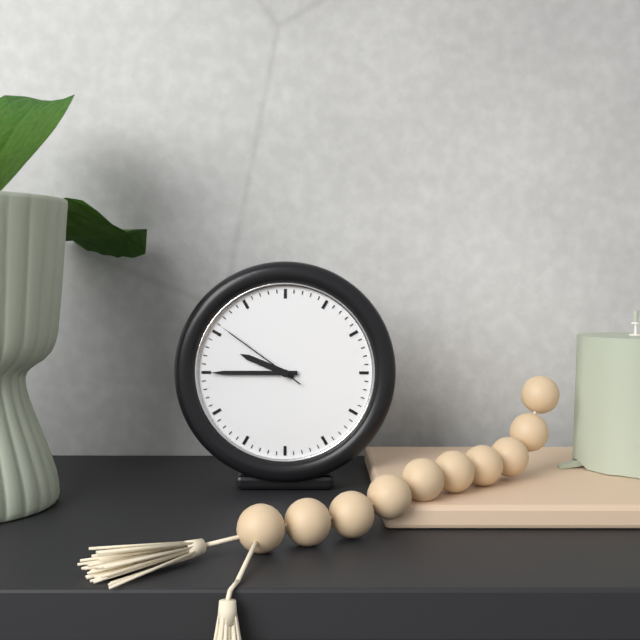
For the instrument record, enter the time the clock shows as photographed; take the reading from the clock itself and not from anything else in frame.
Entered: 9:45:51
